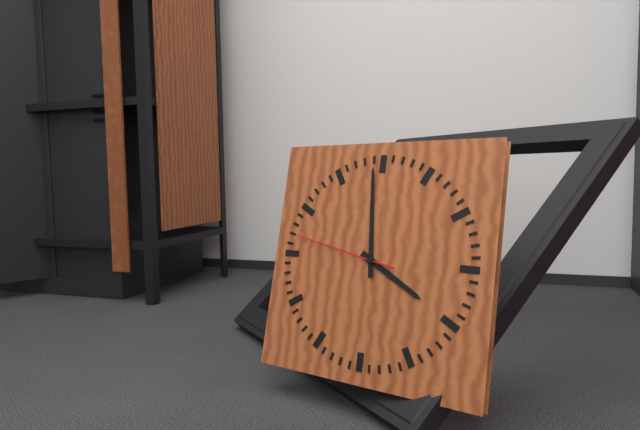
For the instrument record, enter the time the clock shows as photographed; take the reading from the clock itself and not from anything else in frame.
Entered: 3:59:47
